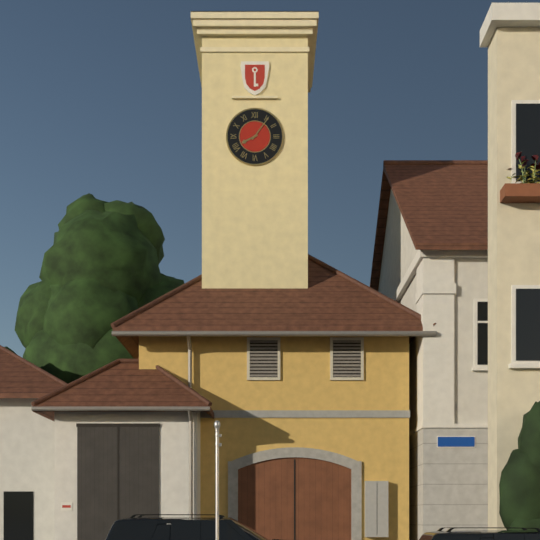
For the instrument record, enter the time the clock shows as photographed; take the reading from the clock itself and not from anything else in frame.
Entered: 8:06
